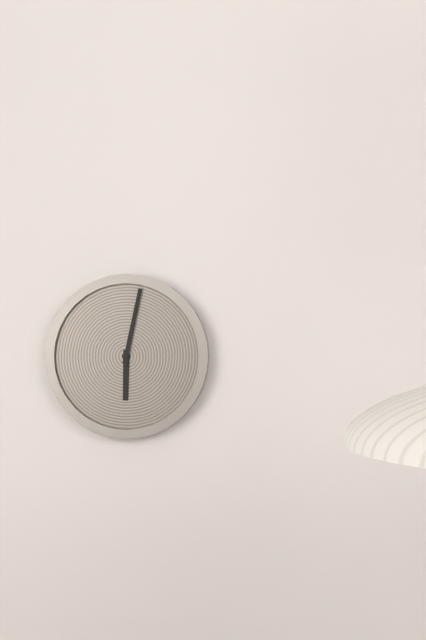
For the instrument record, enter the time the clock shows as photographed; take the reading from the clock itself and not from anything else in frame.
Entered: 6:02
